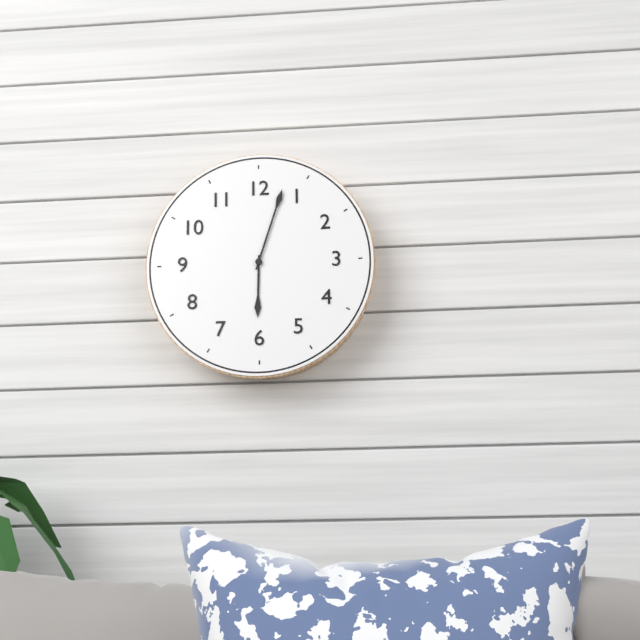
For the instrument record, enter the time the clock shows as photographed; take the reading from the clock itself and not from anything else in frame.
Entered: 6:03
